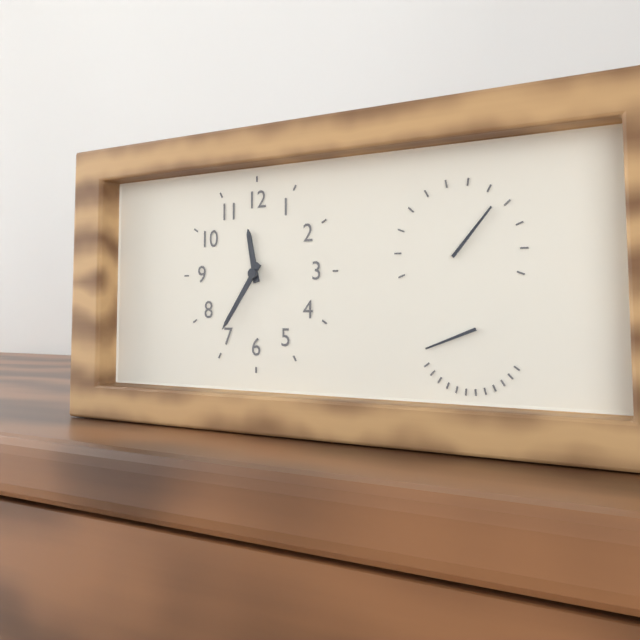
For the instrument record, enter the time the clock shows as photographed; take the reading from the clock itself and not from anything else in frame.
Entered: 11:36
